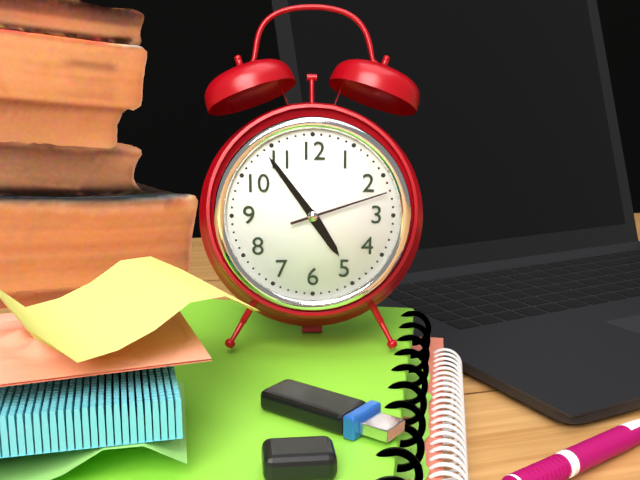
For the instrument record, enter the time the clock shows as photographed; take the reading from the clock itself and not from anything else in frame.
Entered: 4:54:12
